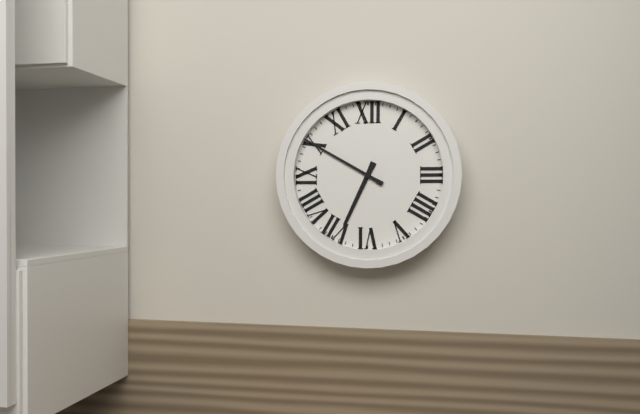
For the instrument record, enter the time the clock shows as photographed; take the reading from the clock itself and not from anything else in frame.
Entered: 6:50
